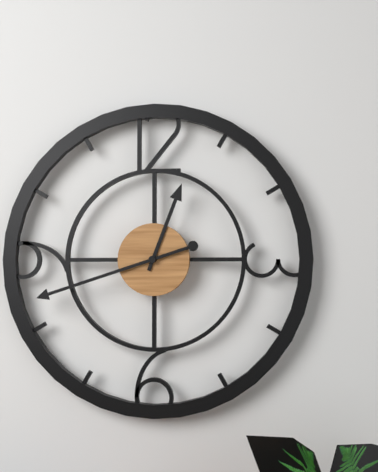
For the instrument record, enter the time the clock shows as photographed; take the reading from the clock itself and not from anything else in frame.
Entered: 12:42
